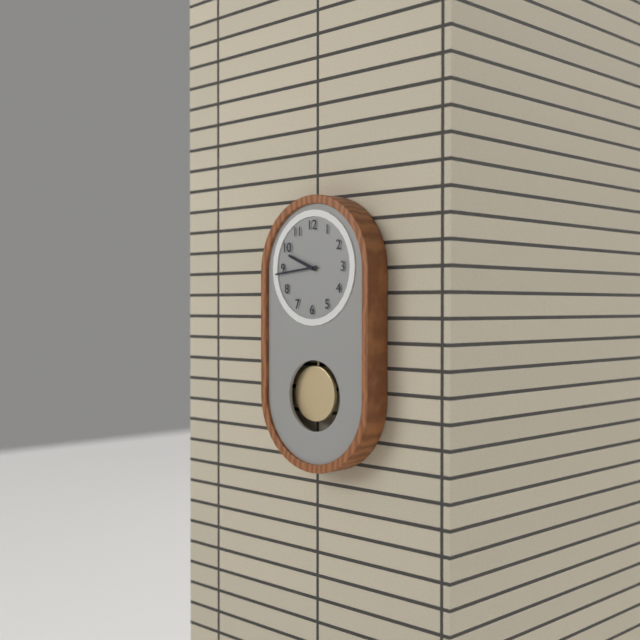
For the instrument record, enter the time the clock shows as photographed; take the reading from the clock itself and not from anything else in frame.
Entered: 9:44
